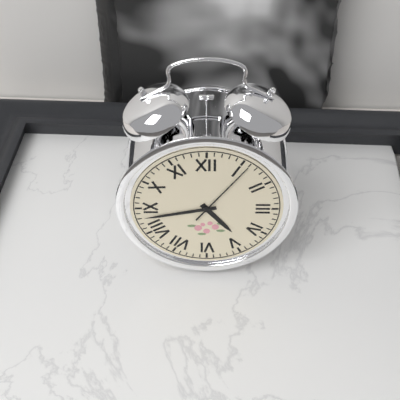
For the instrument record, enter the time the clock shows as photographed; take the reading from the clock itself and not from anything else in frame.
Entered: 4:43:06
